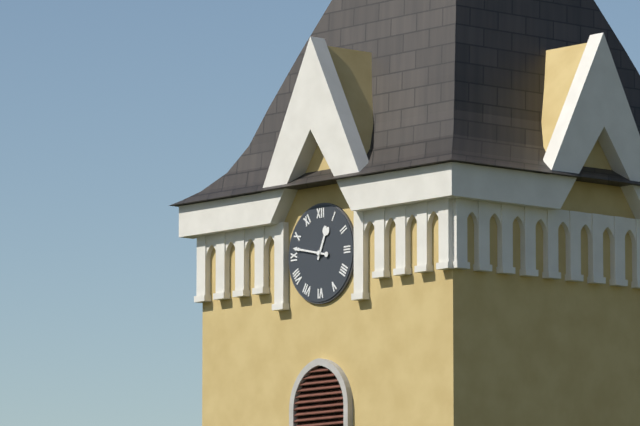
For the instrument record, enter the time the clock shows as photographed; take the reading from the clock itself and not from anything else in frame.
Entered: 12:47
